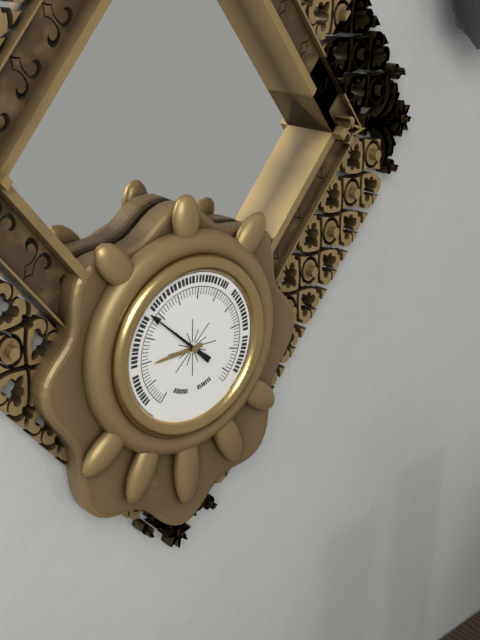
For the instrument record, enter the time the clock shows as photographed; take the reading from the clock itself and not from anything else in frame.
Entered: 8:52
